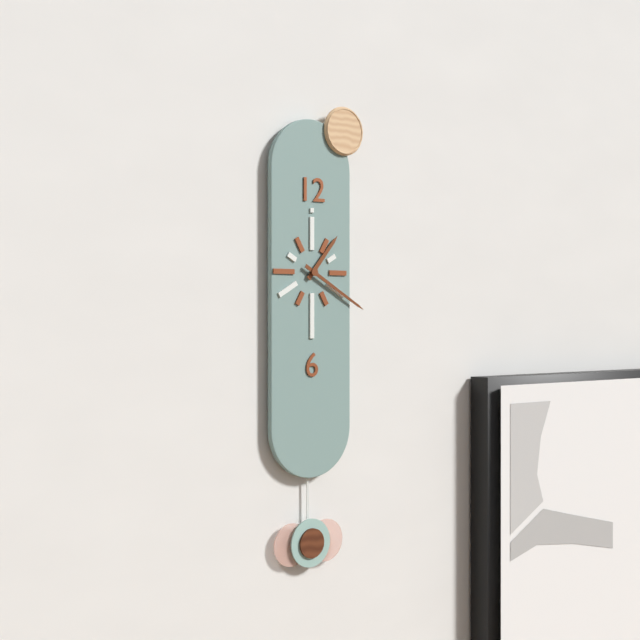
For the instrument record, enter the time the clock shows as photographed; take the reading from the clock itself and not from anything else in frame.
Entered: 1:20
